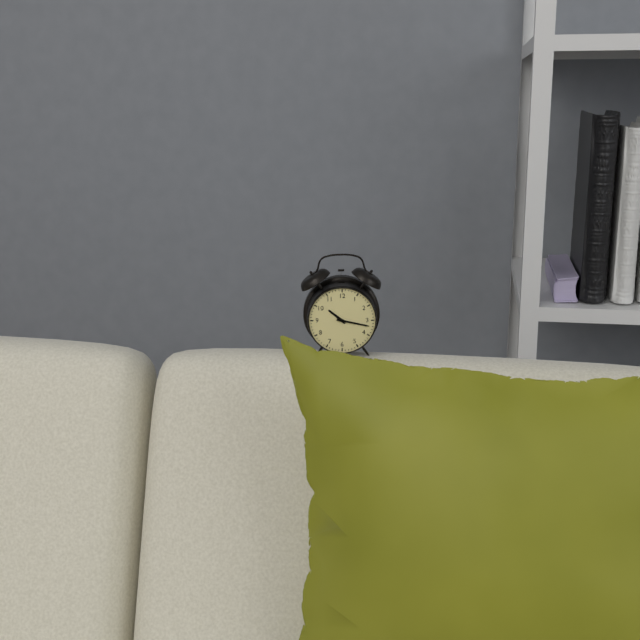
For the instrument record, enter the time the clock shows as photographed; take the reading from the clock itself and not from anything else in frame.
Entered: 10:17
